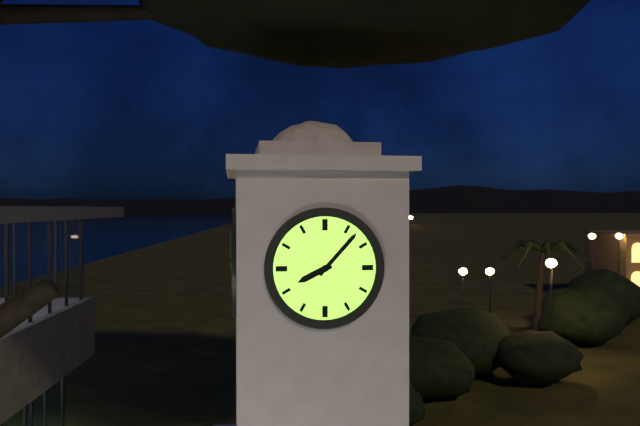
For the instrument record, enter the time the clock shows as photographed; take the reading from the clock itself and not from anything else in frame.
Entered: 8:07
